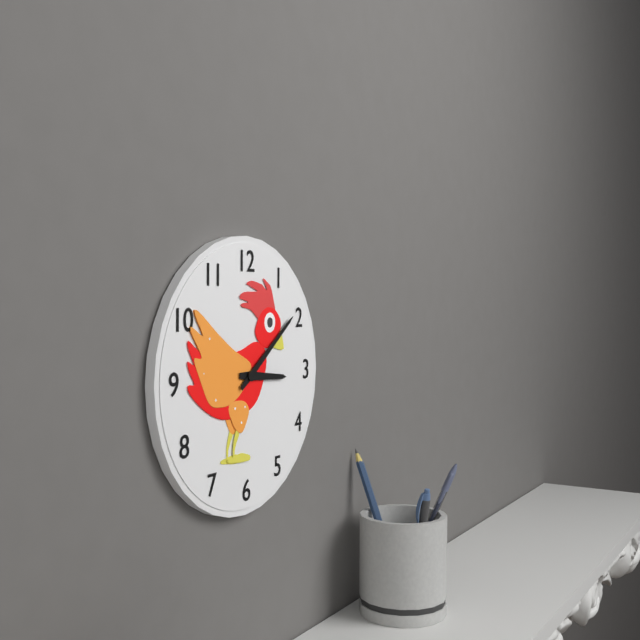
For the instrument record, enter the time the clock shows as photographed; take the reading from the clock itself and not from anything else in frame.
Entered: 3:09
